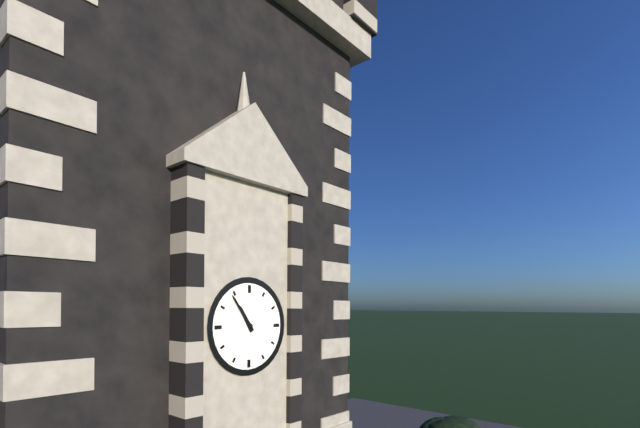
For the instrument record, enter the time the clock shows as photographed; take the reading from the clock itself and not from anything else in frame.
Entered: 10:54
